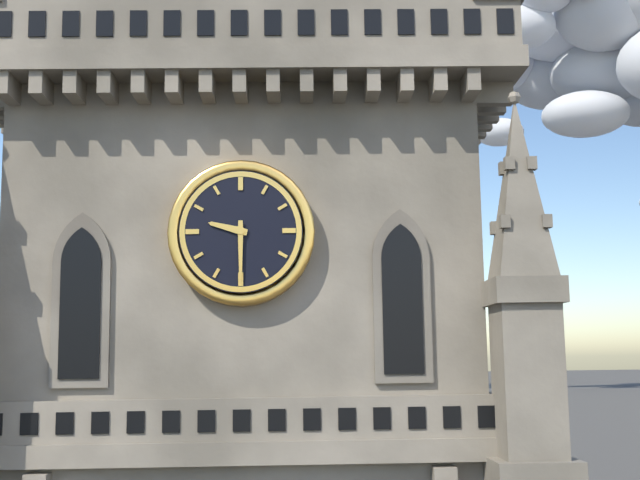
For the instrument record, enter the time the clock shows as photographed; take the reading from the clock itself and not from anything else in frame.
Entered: 9:30
